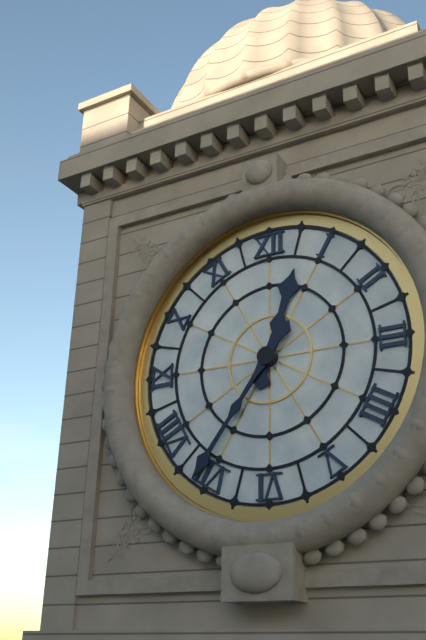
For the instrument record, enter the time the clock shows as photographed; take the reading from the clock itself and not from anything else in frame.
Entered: 12:36
